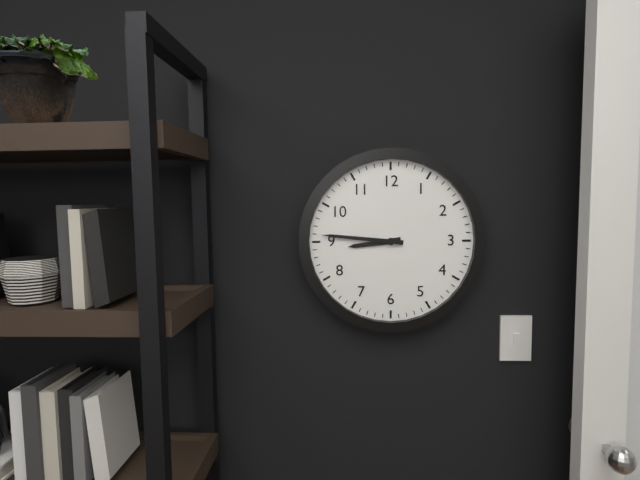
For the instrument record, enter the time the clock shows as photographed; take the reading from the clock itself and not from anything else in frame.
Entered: 8:46
